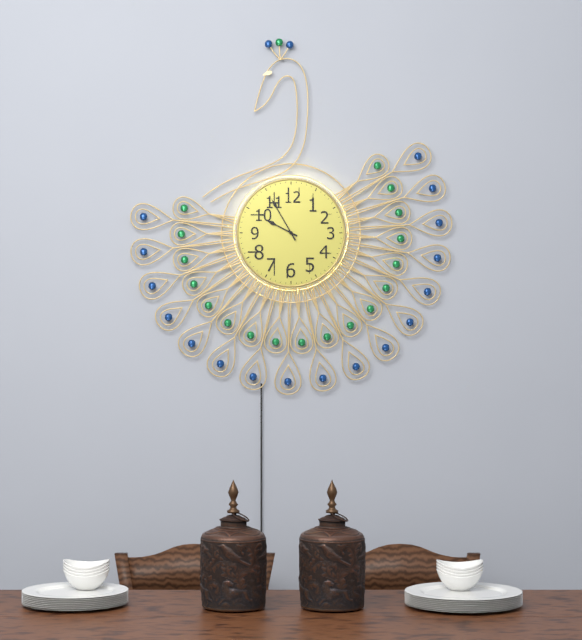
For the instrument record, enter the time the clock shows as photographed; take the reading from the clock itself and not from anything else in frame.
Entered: 9:55
